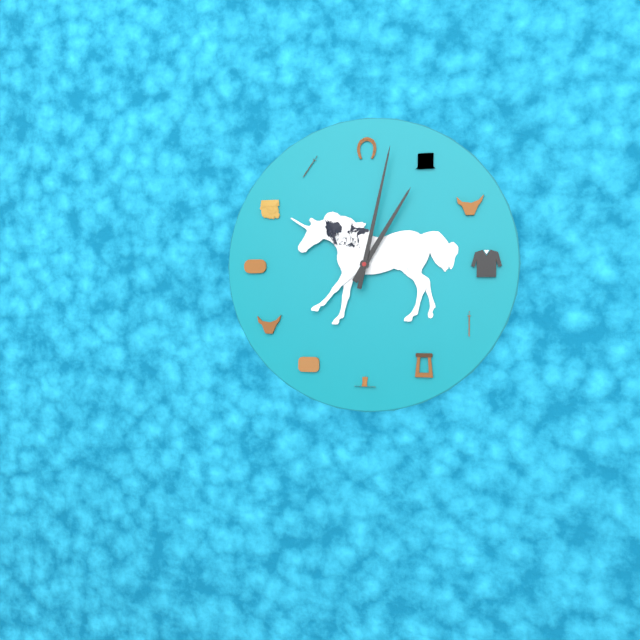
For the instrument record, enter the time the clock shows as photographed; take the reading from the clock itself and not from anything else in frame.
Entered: 1:02
